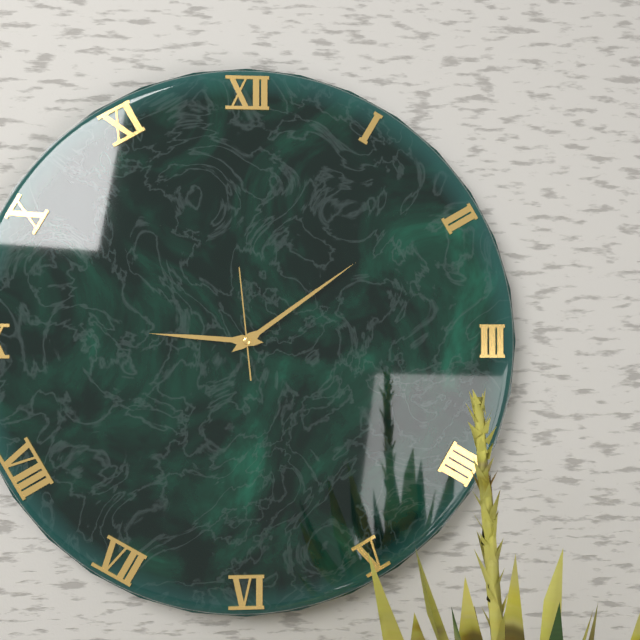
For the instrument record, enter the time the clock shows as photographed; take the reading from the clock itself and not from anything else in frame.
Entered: 9:09:59
